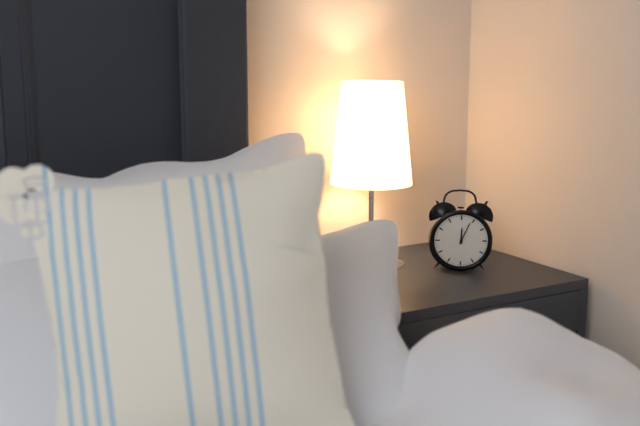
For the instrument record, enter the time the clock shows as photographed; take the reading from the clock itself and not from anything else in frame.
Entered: 12:04
